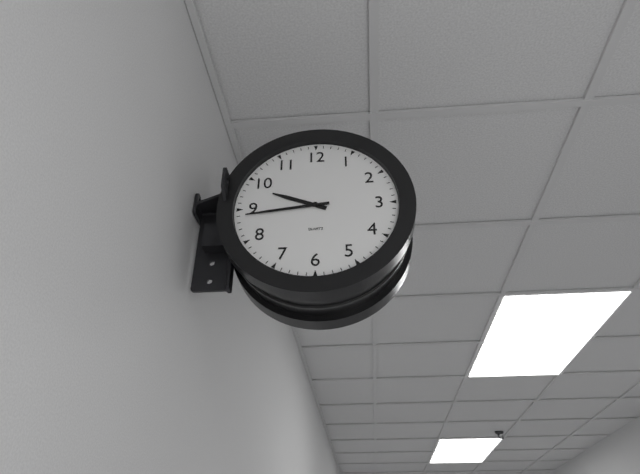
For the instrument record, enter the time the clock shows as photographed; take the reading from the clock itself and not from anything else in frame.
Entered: 9:44
